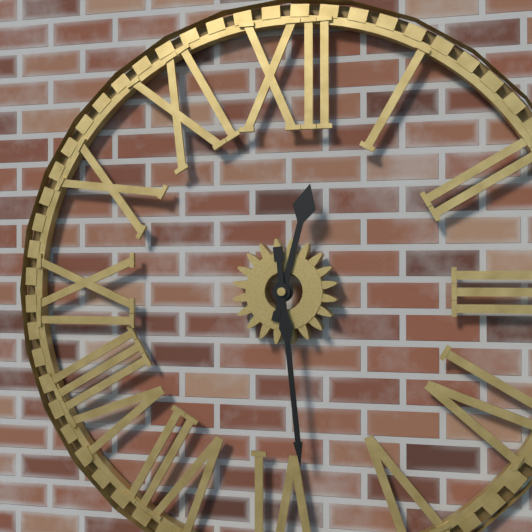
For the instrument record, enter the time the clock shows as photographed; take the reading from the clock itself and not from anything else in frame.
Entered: 12:29
